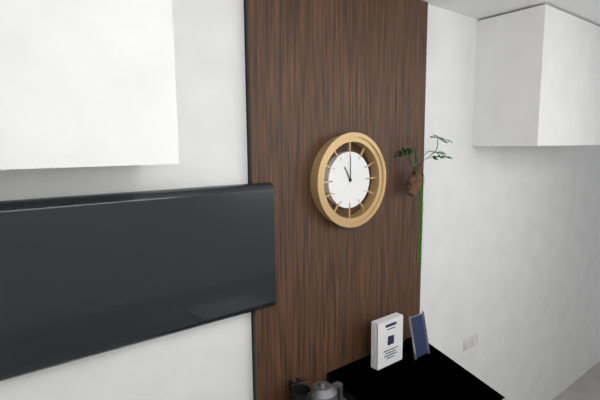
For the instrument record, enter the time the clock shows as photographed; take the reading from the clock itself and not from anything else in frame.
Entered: 11:00
